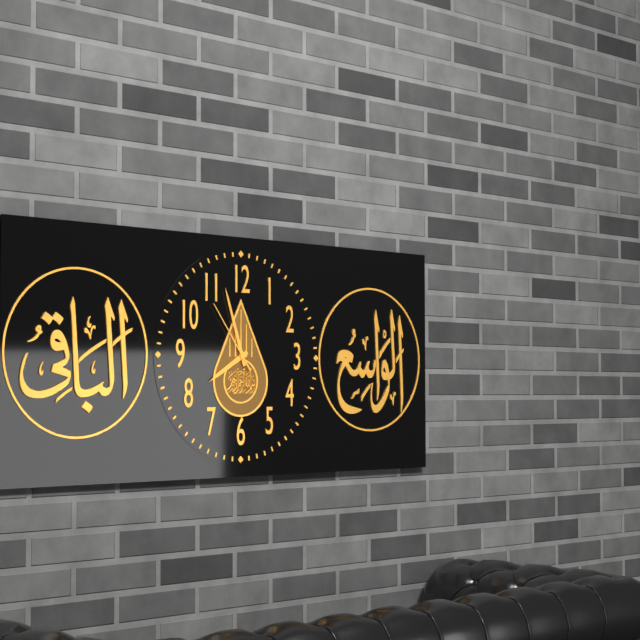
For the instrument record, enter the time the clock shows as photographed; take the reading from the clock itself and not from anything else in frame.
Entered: 7:57:54
